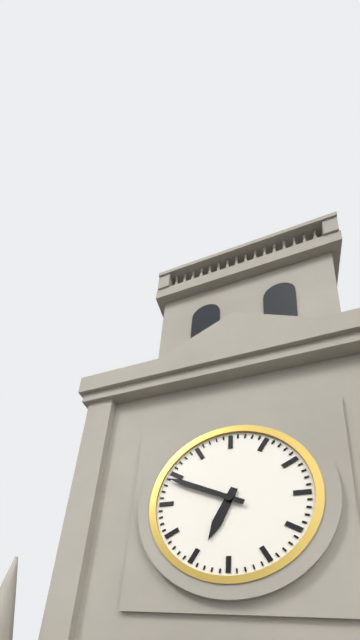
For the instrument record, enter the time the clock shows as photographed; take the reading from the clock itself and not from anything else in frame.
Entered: 6:49
